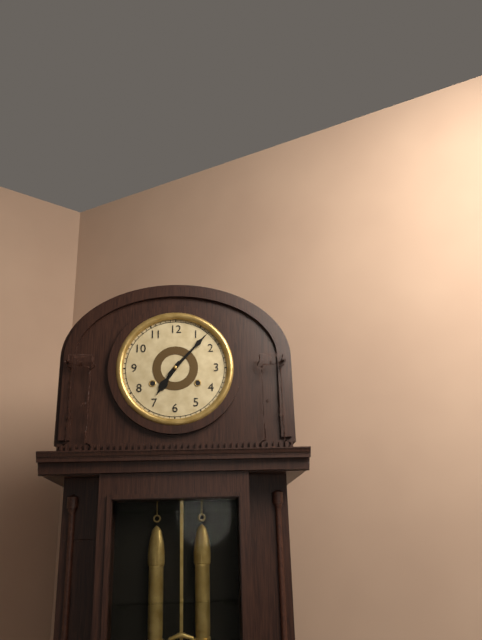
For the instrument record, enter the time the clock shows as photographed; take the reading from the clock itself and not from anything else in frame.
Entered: 7:07
